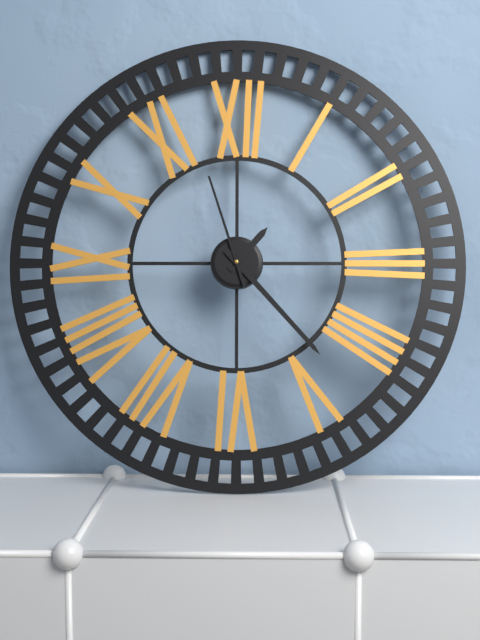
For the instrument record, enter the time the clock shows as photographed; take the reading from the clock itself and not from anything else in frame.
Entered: 1:23:57
